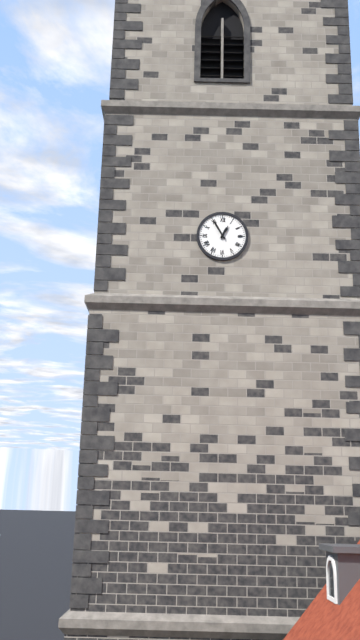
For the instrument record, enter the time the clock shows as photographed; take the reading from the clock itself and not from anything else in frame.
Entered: 12:55
